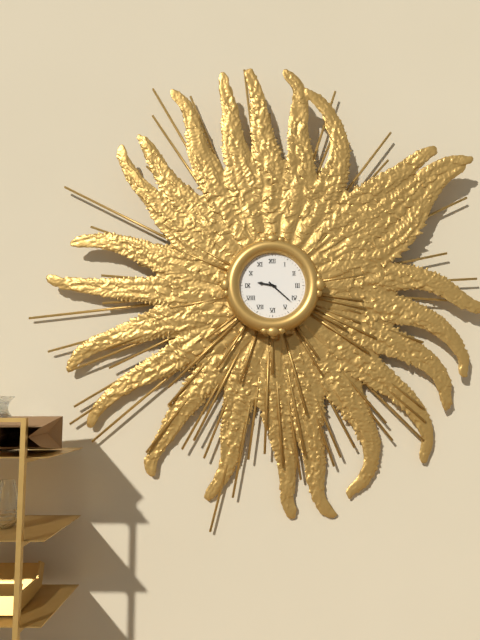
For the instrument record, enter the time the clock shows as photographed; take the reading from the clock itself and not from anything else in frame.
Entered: 9:22
